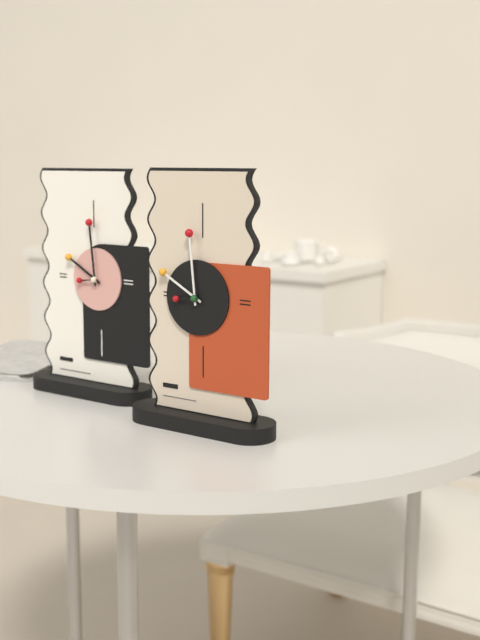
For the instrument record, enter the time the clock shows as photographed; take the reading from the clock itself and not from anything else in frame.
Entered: 9:59
